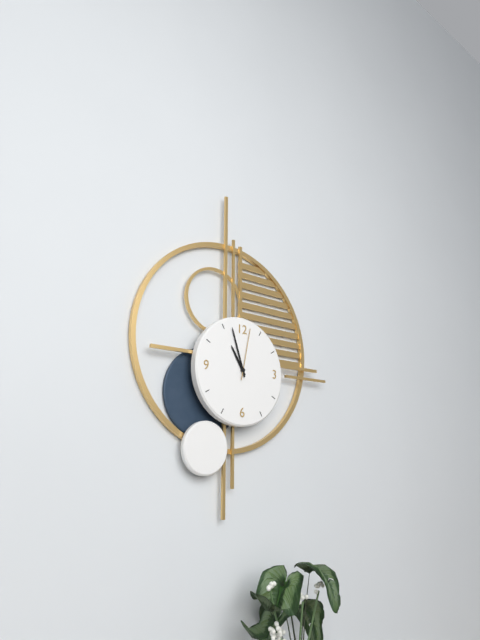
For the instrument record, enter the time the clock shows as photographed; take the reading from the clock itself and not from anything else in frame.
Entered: 10:57:02
